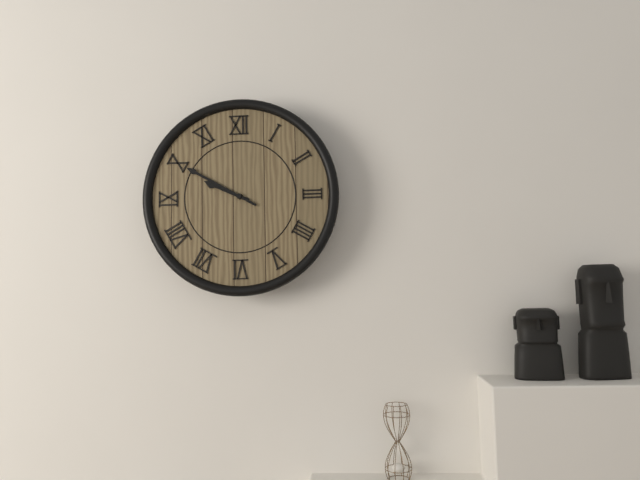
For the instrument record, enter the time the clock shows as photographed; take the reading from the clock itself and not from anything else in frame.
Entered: 9:50
